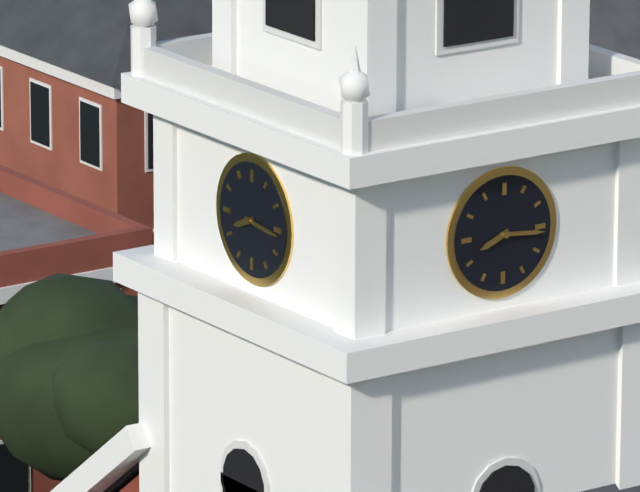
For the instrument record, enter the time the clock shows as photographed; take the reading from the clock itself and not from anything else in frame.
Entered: 8:16
